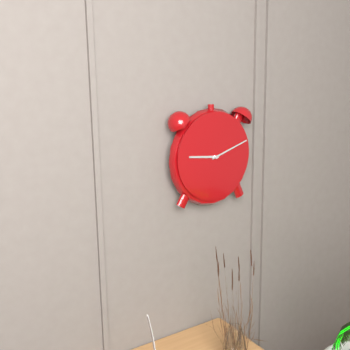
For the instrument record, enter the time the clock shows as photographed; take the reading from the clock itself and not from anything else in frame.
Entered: 9:12
